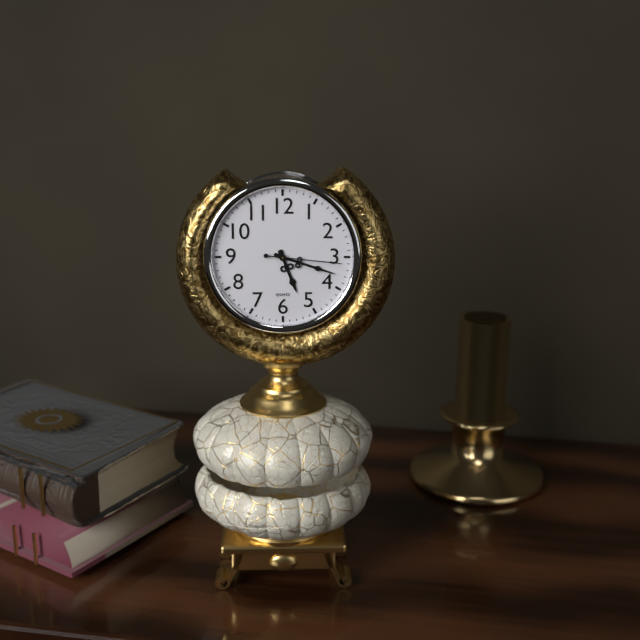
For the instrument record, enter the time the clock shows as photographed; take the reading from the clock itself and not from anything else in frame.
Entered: 5:18:16
